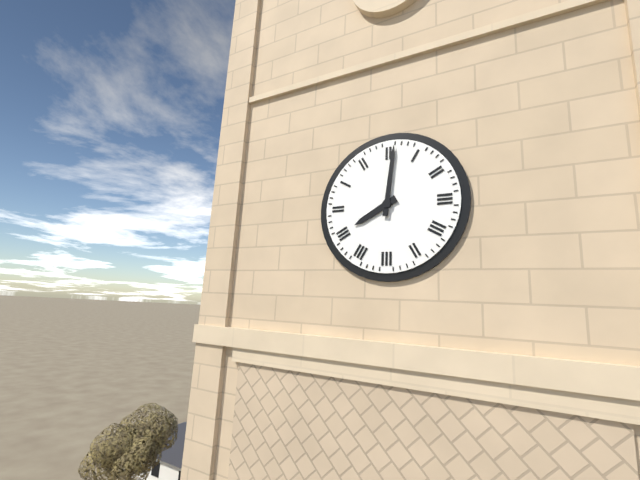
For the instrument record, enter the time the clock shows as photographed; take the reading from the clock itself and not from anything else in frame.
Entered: 8:01
